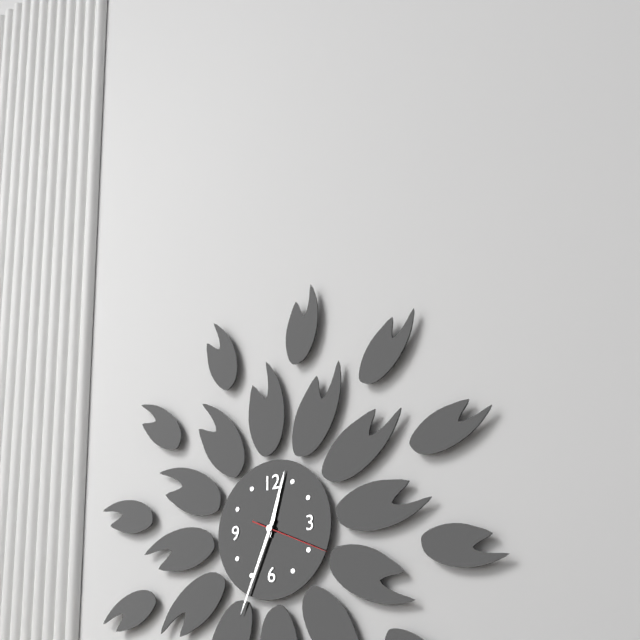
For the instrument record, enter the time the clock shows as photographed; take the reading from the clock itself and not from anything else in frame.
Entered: 12:34:19
